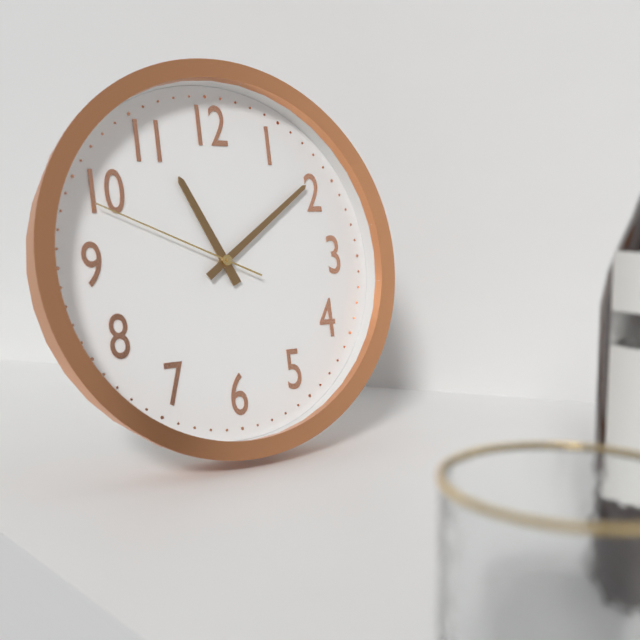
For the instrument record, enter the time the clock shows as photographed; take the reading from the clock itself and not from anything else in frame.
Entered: 11:09:49
